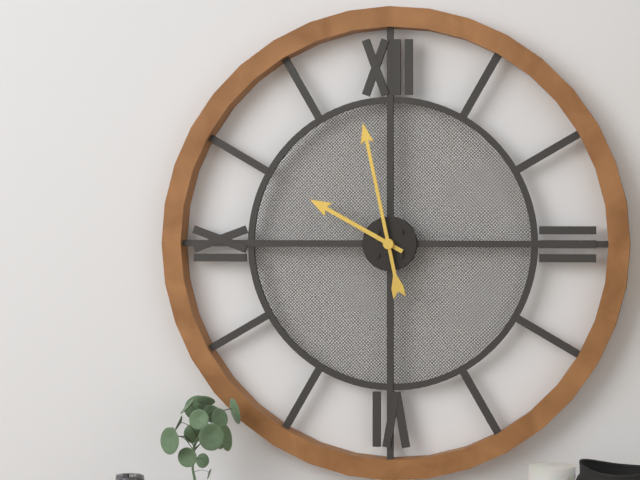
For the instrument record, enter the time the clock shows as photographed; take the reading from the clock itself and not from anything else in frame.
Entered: 9:58
